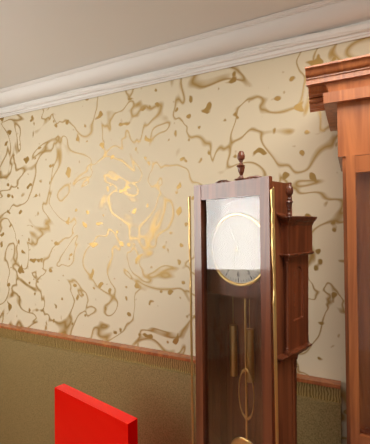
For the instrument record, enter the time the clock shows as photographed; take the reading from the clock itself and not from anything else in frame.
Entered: 6:56
